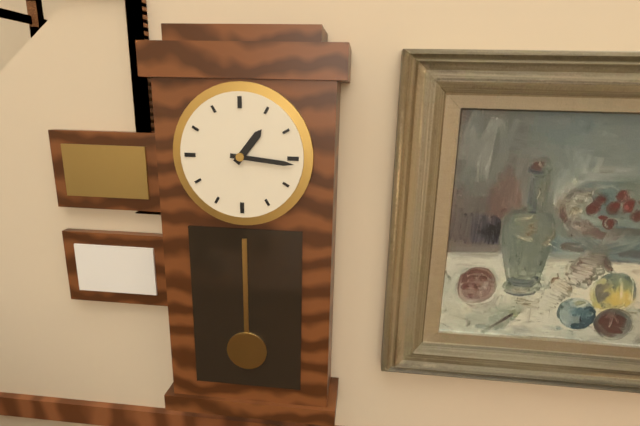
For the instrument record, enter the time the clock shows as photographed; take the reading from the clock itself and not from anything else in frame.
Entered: 1:16
